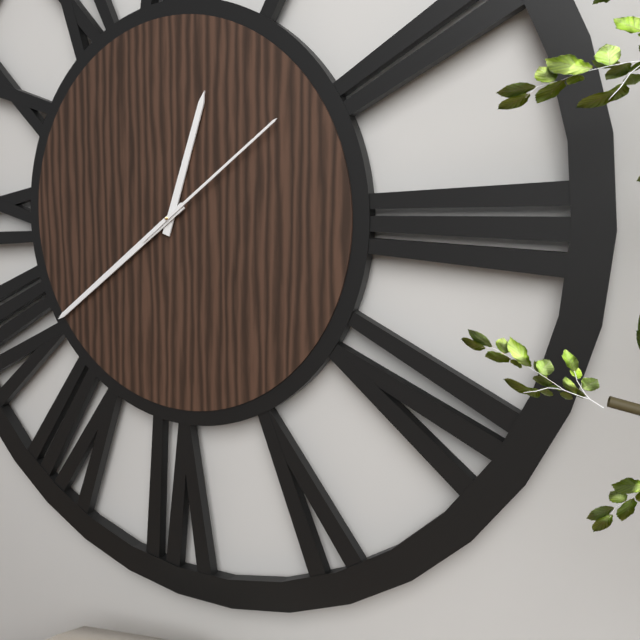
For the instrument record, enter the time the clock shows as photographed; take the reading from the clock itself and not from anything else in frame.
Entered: 12:39:09
